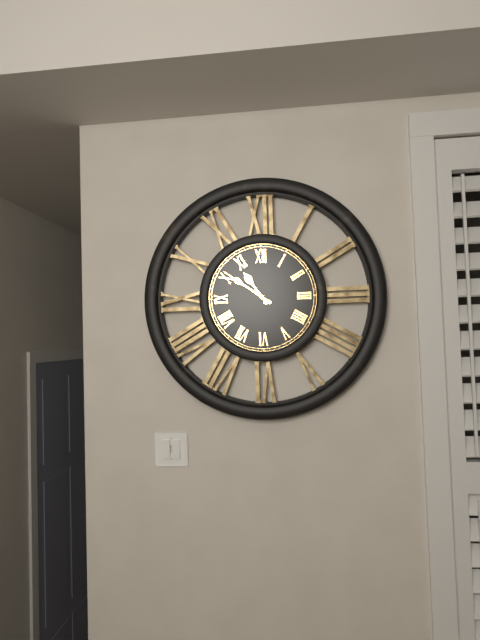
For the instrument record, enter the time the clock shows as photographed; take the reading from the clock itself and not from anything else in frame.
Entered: 10:51
